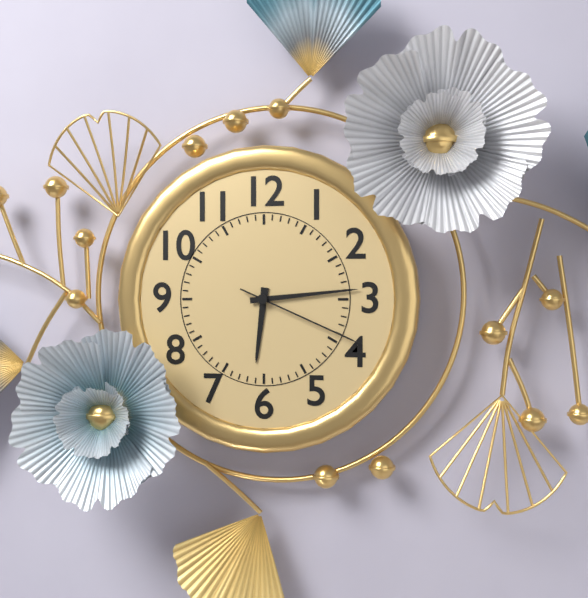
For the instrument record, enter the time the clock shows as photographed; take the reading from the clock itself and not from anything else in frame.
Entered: 6:14:19
